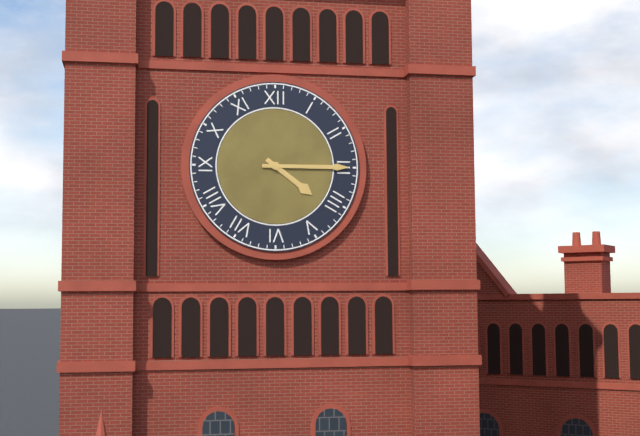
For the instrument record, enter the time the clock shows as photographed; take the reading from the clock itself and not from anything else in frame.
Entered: 4:15
